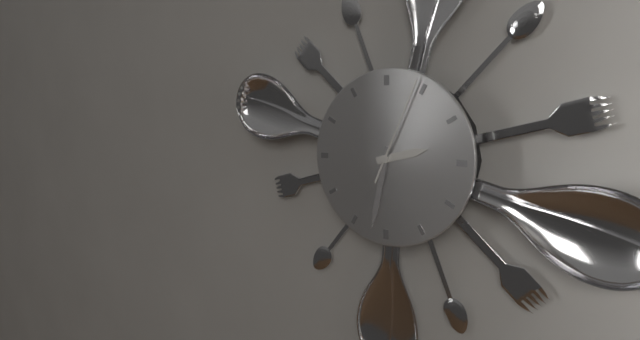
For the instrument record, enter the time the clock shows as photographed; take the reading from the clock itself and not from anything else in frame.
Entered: 2:32:04
